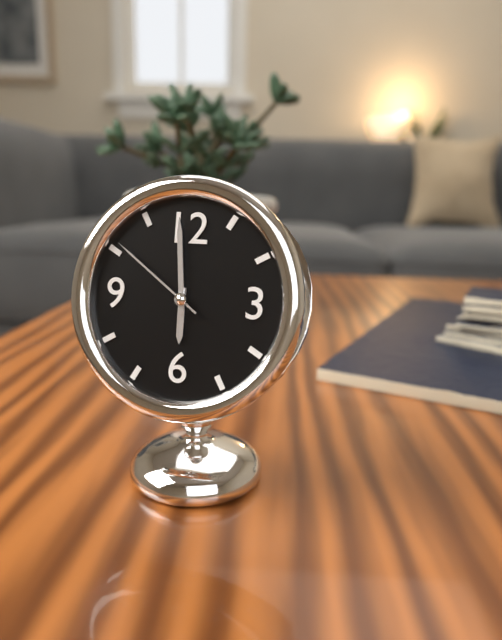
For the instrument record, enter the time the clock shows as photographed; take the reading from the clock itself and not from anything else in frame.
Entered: 5:59:51
